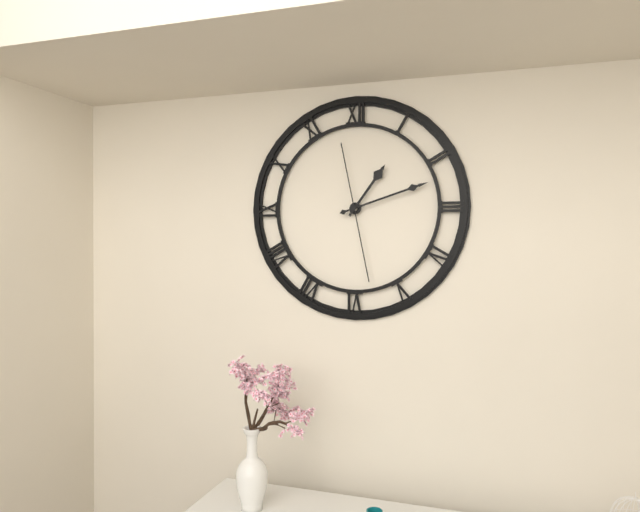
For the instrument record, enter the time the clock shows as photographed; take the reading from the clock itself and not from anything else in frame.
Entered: 1:12:28
